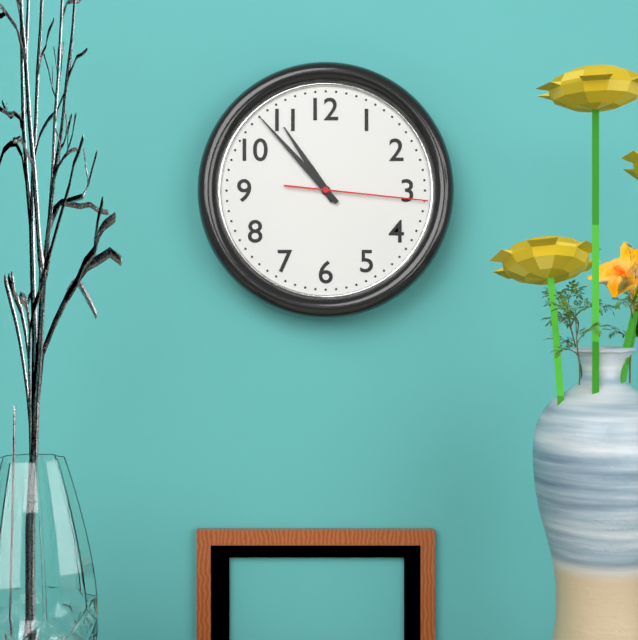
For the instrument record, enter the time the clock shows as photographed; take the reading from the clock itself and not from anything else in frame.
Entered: 10:53:16
